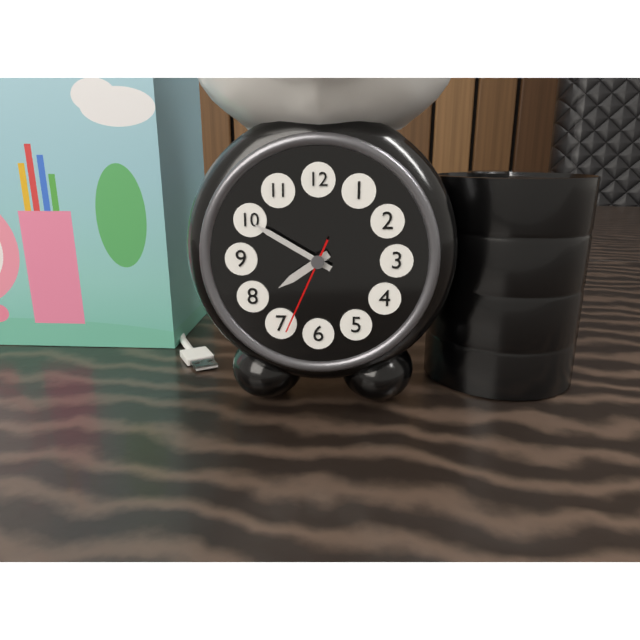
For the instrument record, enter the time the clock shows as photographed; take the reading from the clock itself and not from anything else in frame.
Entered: 7:50:34
